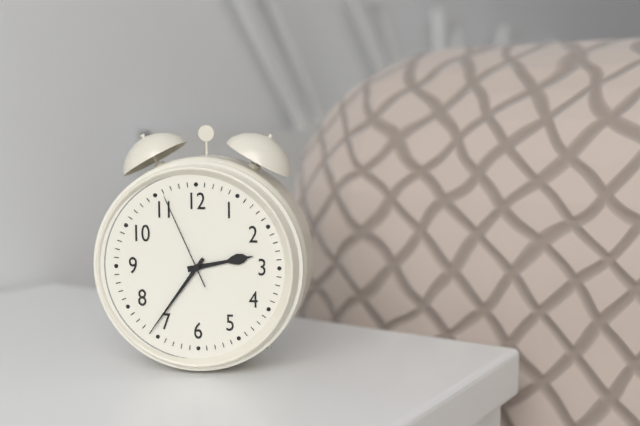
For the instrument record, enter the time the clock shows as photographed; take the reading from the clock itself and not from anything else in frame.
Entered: 2:36:56
